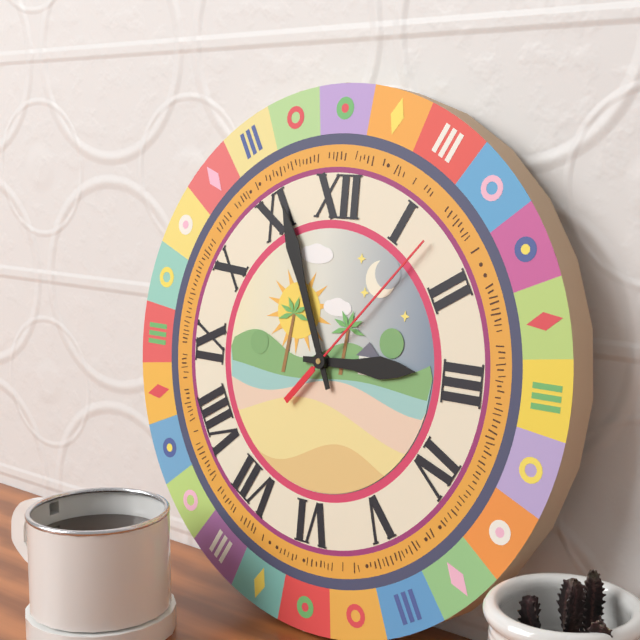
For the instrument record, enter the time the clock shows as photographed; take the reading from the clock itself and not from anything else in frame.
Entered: 2:56:07
